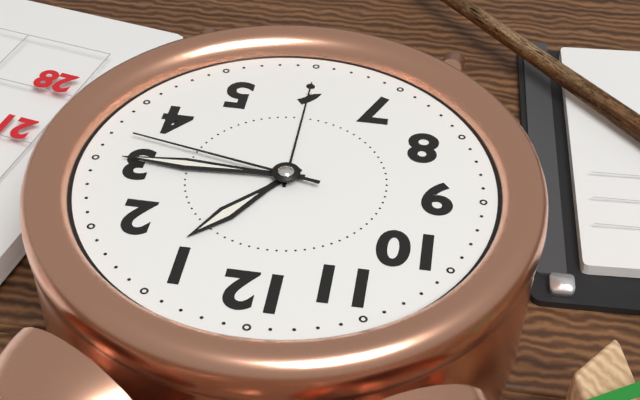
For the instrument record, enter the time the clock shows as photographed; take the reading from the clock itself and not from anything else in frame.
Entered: 1:15:17
